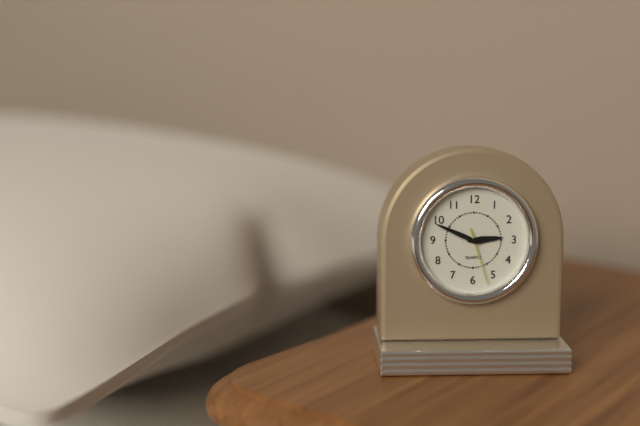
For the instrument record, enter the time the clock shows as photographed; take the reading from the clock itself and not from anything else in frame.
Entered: 2:49:27
